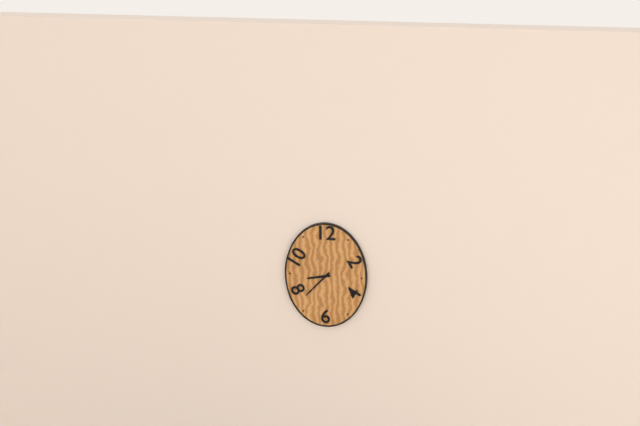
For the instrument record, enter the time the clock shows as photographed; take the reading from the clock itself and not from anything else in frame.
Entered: 8:37
